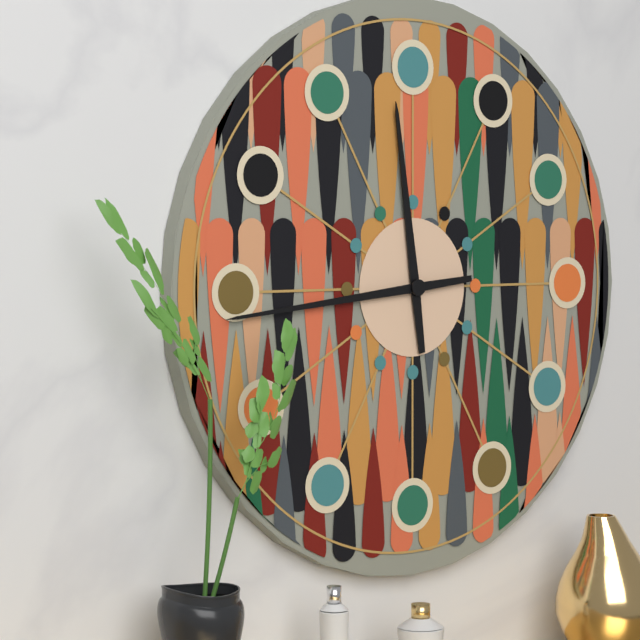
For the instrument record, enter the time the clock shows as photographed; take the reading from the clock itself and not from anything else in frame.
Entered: 11:44
